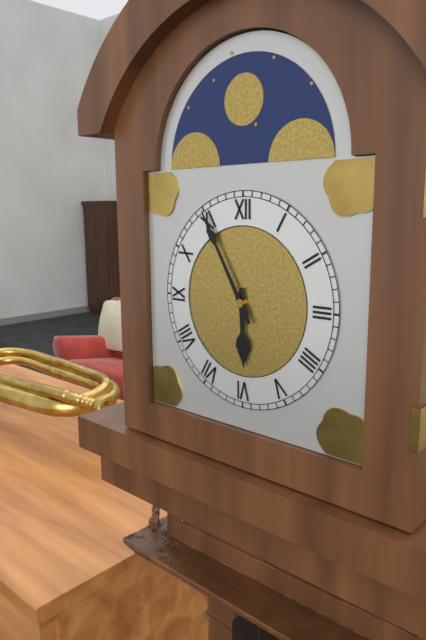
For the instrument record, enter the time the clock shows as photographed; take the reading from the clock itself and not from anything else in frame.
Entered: 5:55
